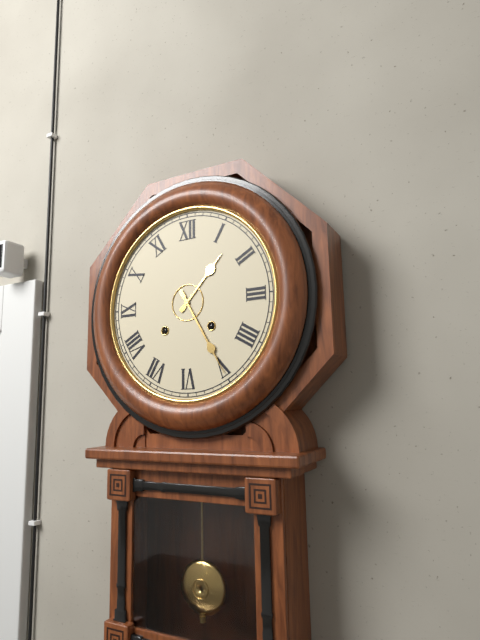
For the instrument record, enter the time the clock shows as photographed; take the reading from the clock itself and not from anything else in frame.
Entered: 1:25
